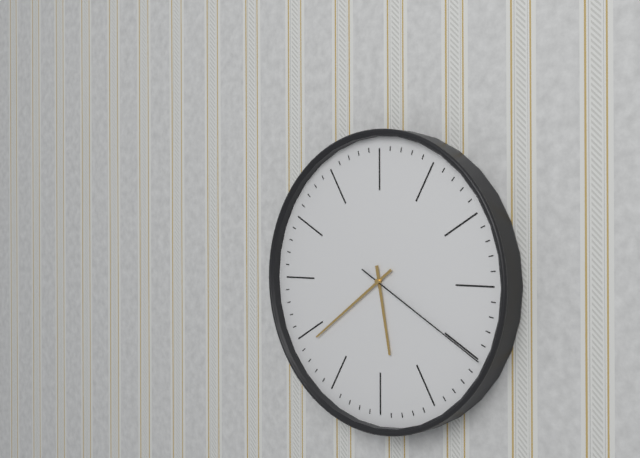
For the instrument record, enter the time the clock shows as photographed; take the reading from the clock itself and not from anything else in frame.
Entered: 5:39:20
